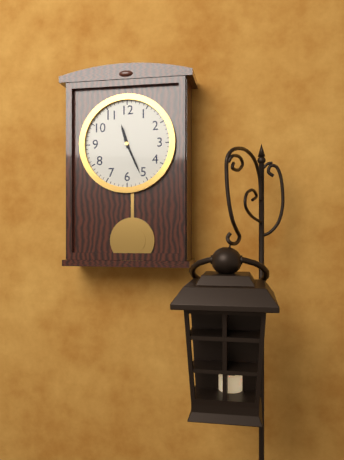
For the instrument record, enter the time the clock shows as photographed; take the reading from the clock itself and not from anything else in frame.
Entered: 11:26
